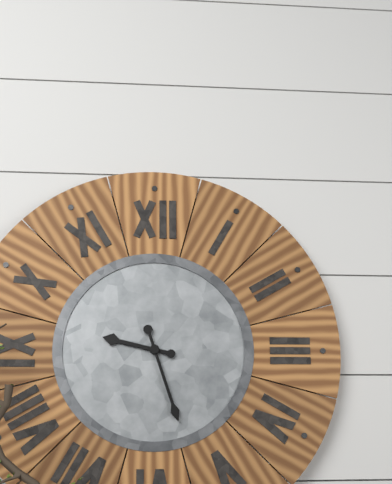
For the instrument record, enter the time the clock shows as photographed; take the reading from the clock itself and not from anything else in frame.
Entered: 9:27
